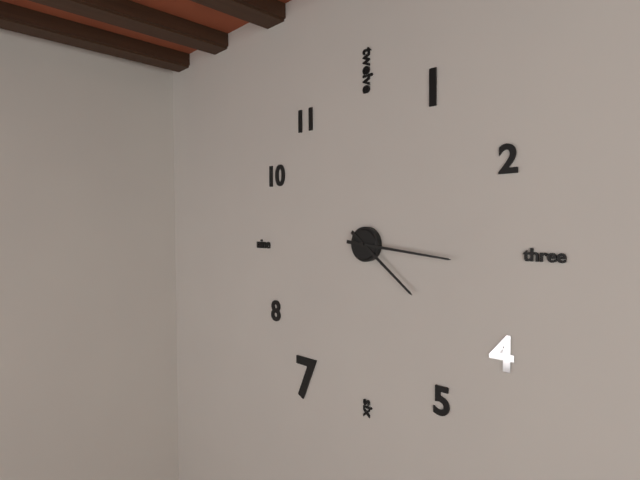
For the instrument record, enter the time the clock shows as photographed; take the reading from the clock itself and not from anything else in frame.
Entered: 4:16
